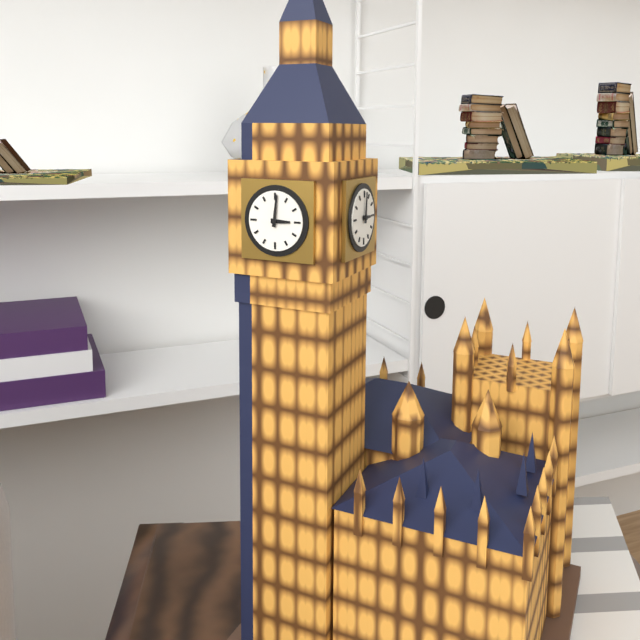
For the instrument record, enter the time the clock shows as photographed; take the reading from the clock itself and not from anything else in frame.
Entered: 3:01
